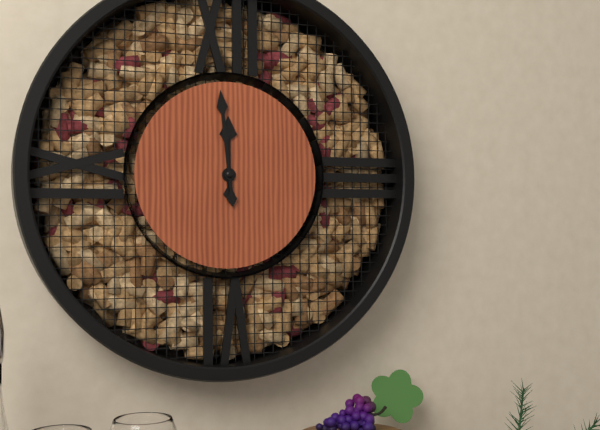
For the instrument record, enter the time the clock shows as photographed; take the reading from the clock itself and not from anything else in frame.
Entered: 11:59
